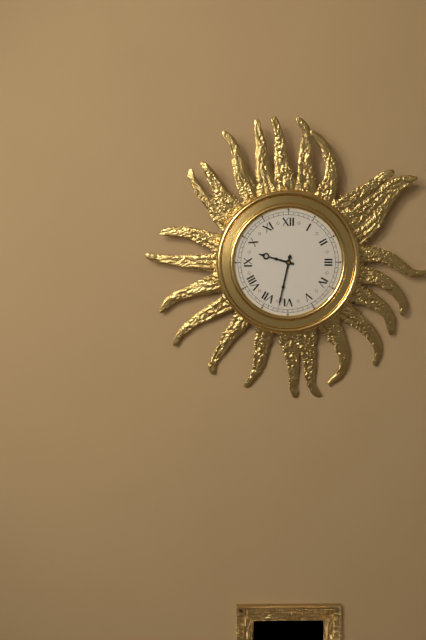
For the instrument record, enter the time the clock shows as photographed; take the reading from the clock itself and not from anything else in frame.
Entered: 9:32
